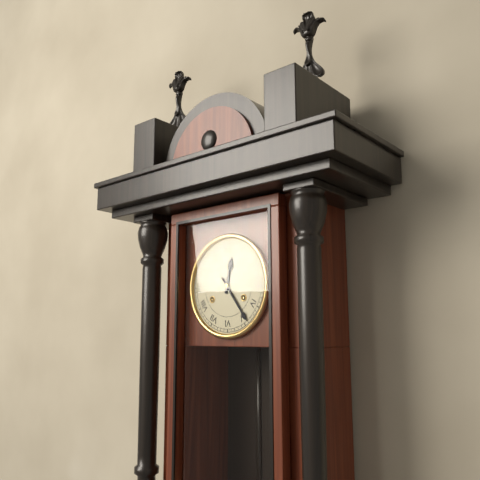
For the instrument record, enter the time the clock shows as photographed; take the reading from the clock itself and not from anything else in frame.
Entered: 12:24
